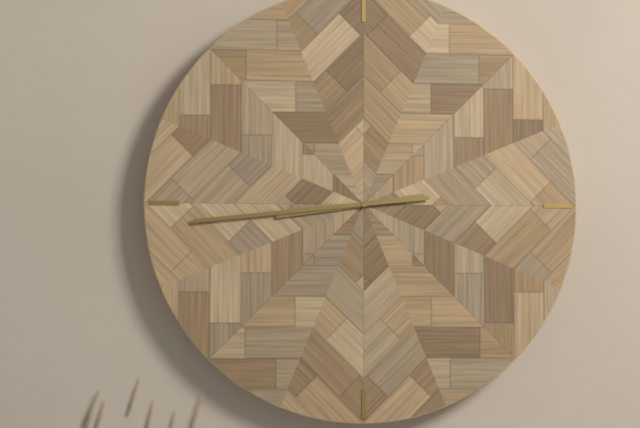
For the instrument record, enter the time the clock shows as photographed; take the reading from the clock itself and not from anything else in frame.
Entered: 8:44
